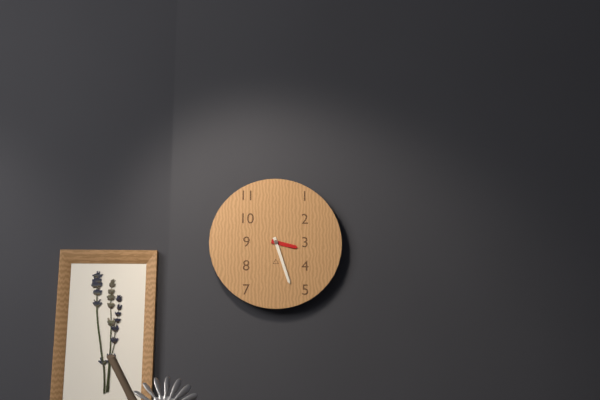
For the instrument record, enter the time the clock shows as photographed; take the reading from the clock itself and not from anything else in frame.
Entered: 3:27
